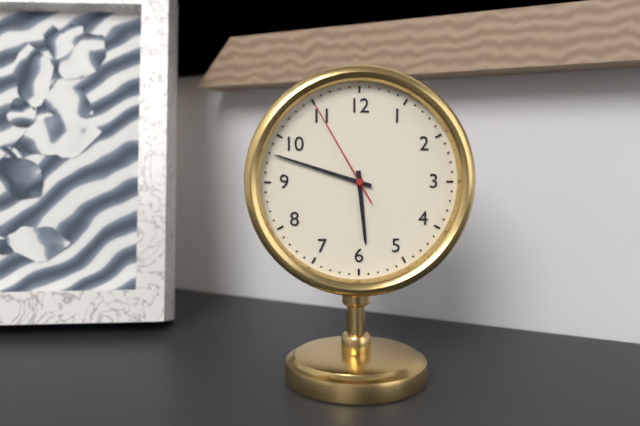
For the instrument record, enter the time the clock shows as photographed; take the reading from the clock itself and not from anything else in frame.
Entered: 5:48:55
